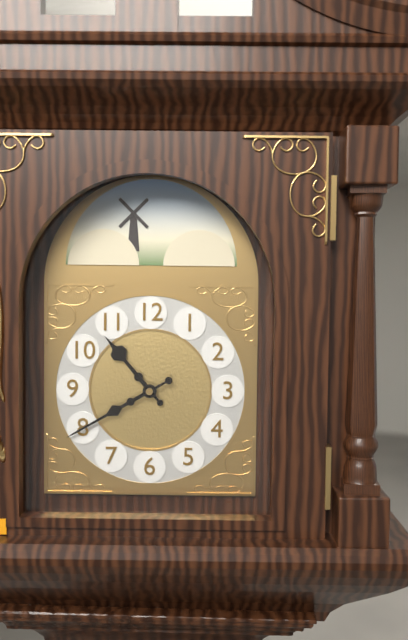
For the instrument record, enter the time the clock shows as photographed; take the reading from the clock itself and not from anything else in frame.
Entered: 10:40
